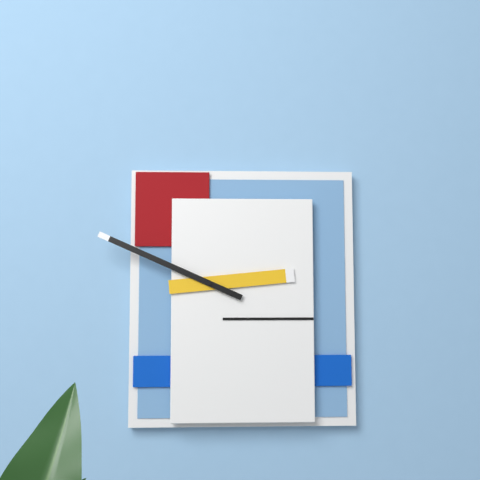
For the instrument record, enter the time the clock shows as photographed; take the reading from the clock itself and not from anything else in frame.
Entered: 2:49
